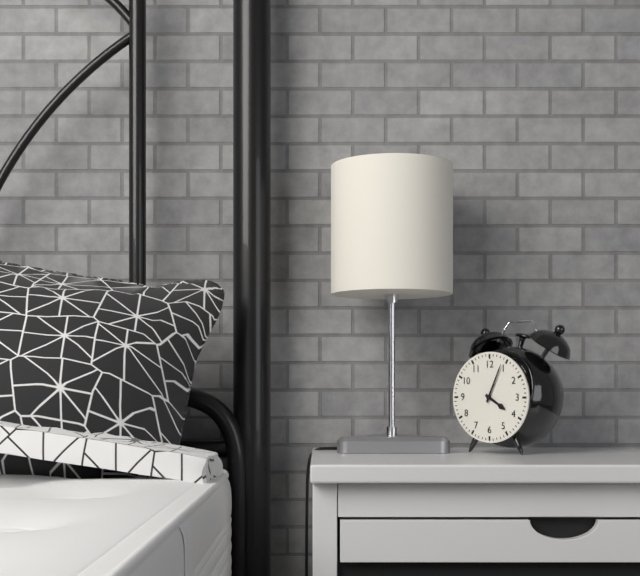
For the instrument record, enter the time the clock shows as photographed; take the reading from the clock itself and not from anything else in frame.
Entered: 4:04
